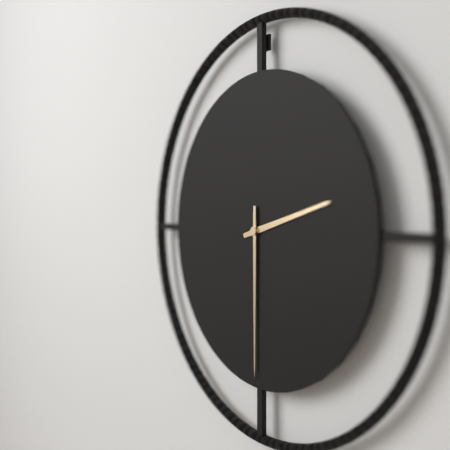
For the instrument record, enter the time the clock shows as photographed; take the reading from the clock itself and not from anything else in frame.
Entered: 2:30
